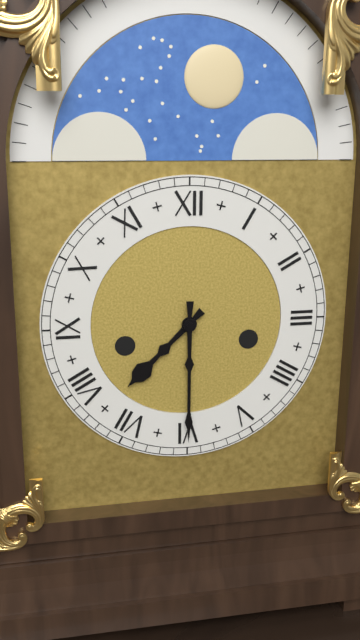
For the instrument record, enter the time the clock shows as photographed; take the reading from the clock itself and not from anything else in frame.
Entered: 7:30
